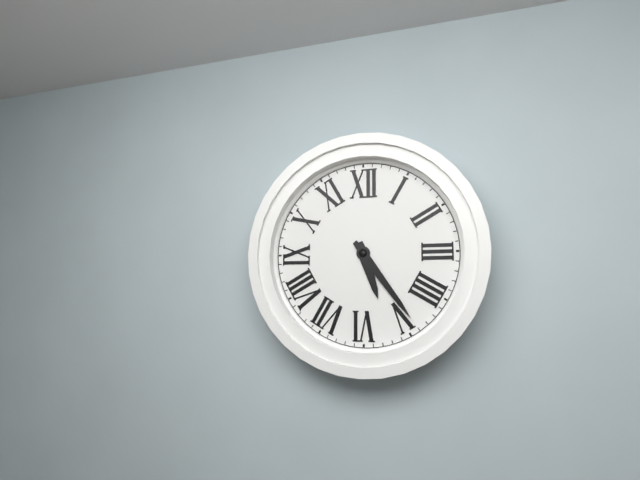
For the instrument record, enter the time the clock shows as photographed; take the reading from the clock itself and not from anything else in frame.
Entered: 5:24
